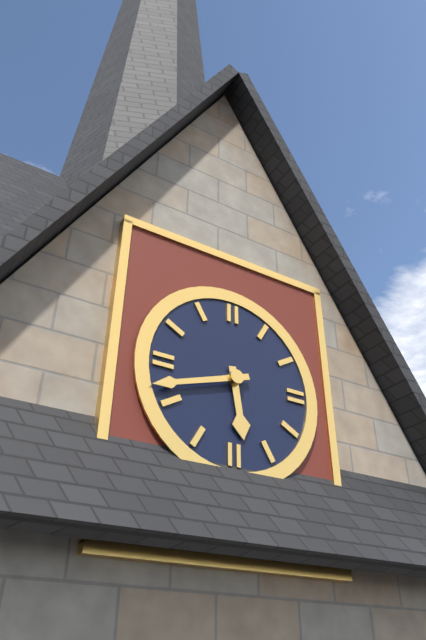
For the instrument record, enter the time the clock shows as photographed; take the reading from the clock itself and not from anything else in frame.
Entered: 5:42
